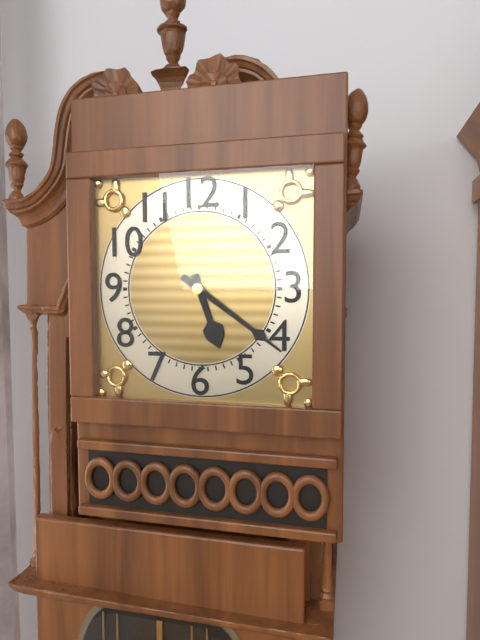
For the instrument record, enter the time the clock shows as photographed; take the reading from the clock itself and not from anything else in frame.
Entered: 5:21
